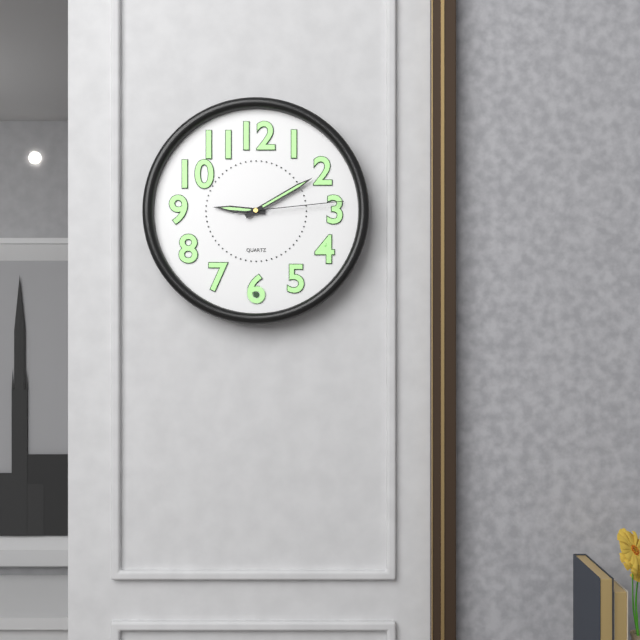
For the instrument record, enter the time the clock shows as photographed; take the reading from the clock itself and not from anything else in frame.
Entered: 9:10:14
